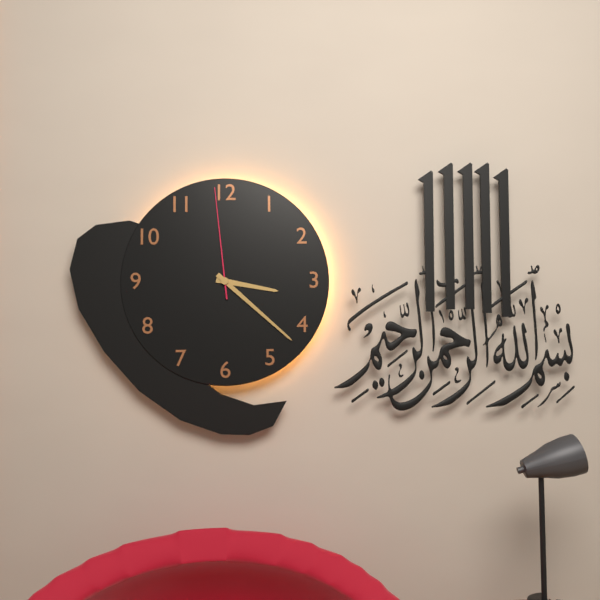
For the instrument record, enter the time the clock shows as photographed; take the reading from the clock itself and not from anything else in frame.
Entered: 3:22:59
